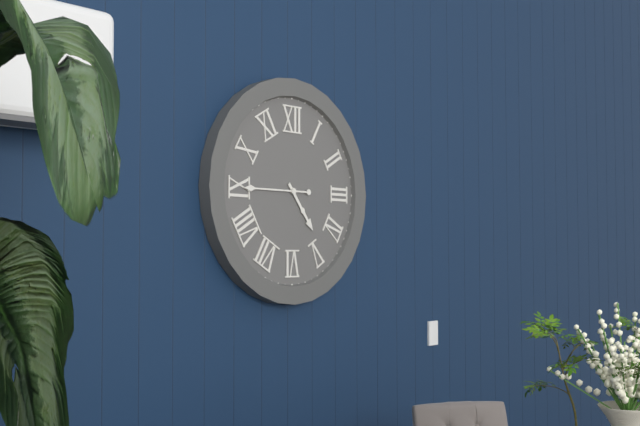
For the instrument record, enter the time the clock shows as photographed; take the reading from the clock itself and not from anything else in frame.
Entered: 4:45
